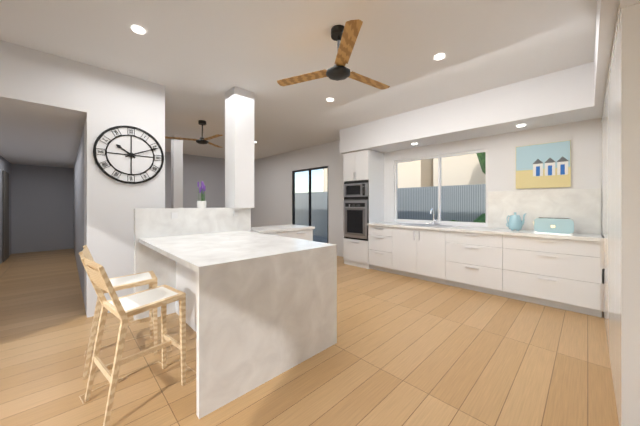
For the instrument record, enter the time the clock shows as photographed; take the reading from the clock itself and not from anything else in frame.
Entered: 10:11
